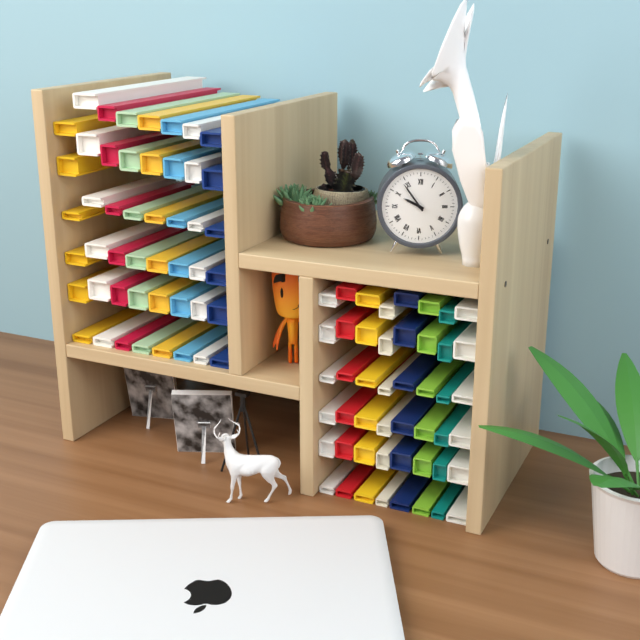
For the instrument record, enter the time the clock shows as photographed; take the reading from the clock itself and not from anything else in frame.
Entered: 9:54
